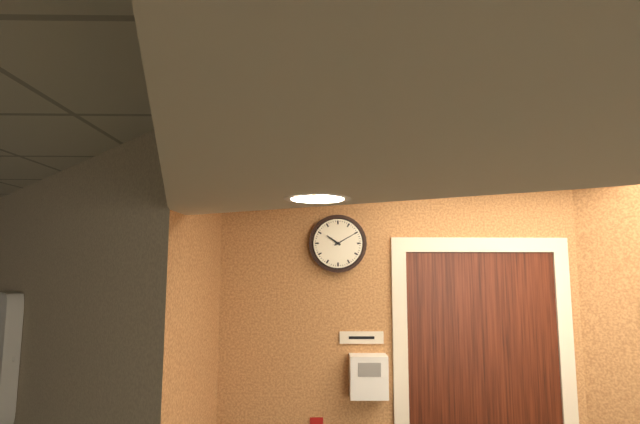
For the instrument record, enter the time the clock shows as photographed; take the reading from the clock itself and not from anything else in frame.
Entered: 10:10
